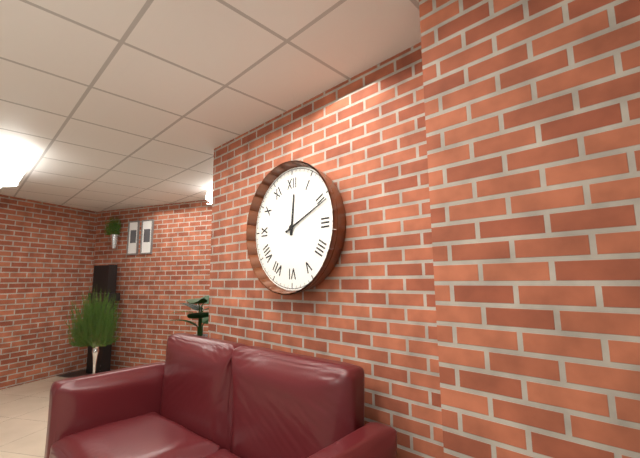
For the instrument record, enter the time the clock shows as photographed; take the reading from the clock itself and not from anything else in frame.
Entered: 12:11
